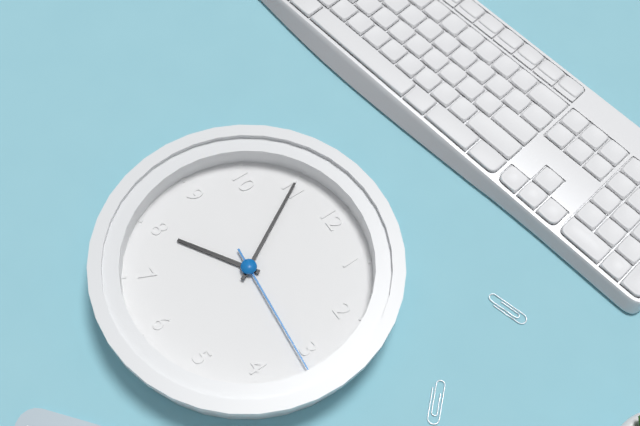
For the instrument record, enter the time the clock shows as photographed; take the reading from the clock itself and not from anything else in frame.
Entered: 7:55:16
